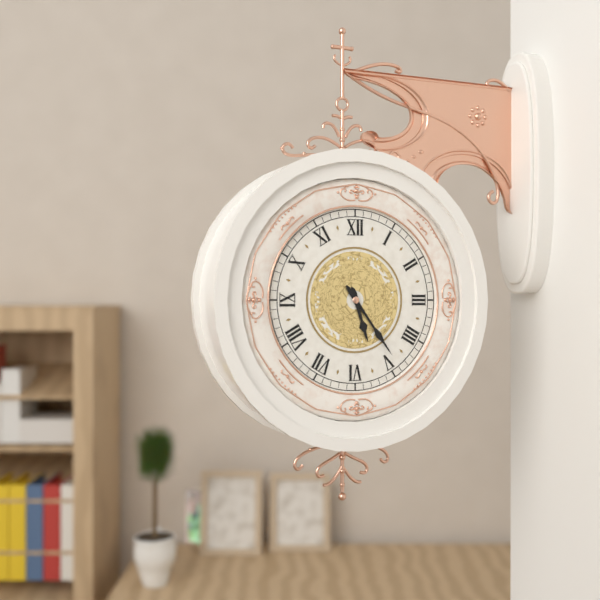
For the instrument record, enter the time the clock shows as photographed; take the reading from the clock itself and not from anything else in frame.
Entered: 5:24
